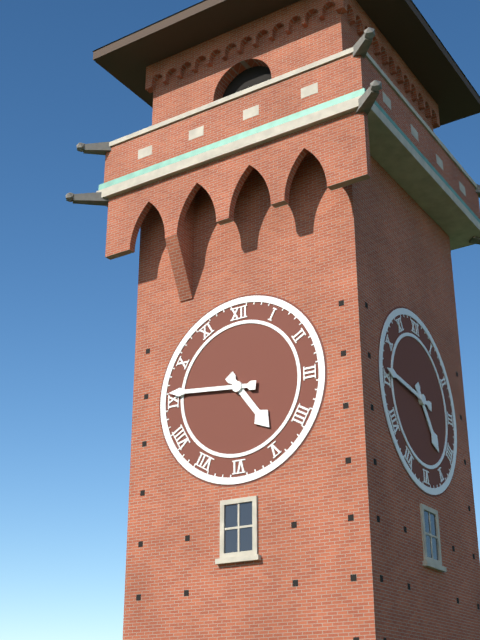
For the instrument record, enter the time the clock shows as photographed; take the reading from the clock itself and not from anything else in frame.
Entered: 4:46
